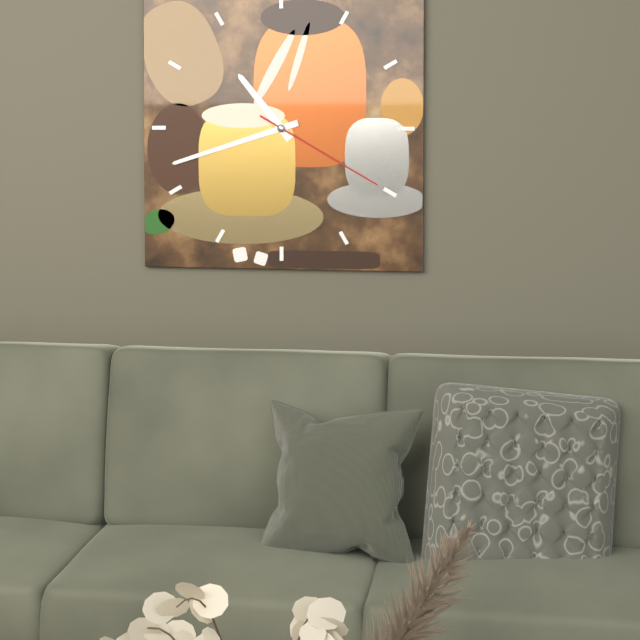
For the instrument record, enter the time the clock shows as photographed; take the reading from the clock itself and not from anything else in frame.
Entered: 10:42:20
